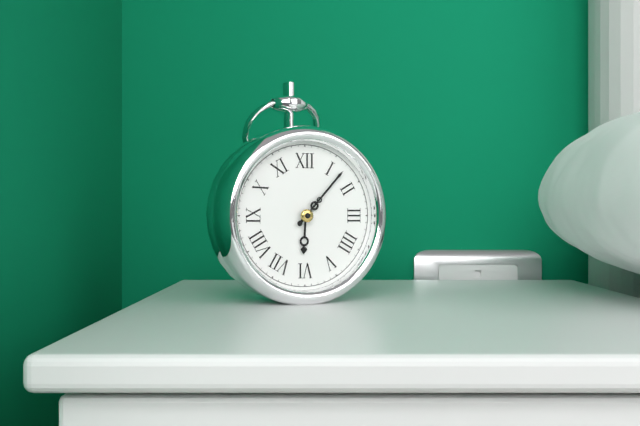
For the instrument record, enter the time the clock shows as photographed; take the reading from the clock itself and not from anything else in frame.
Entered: 6:07
